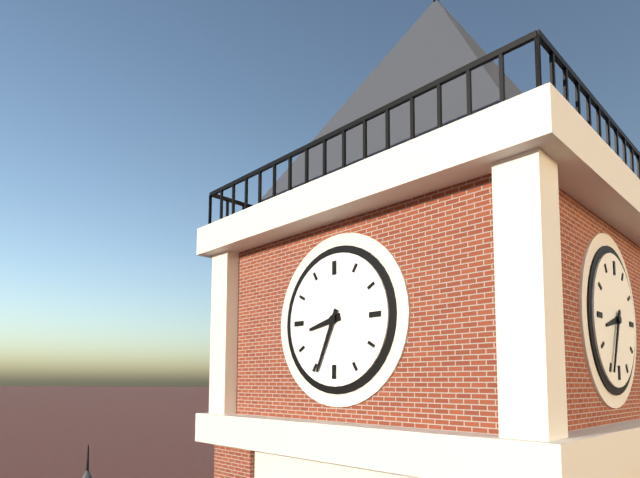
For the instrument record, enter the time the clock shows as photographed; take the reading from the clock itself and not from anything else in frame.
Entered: 8:34
